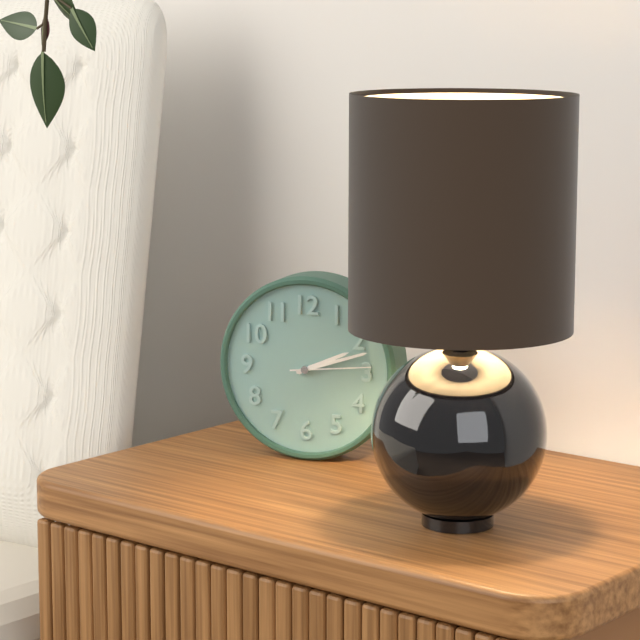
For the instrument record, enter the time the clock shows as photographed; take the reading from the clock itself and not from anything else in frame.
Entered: 2:12:14
